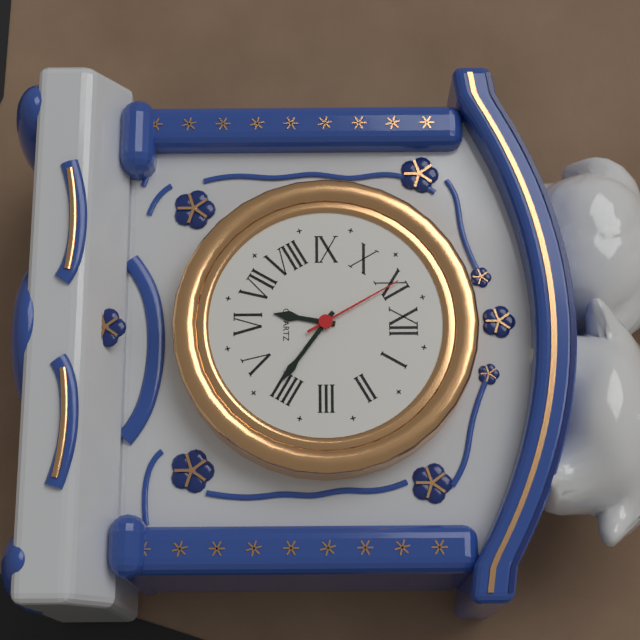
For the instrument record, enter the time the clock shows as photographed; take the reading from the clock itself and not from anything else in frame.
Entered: 6:21:55
